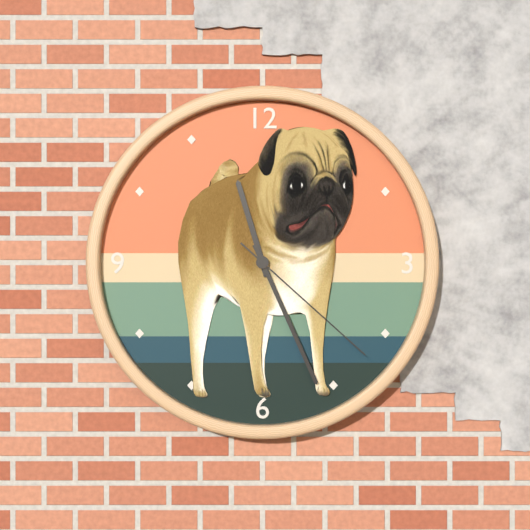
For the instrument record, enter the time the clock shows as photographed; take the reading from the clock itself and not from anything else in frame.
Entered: 11:26:22
